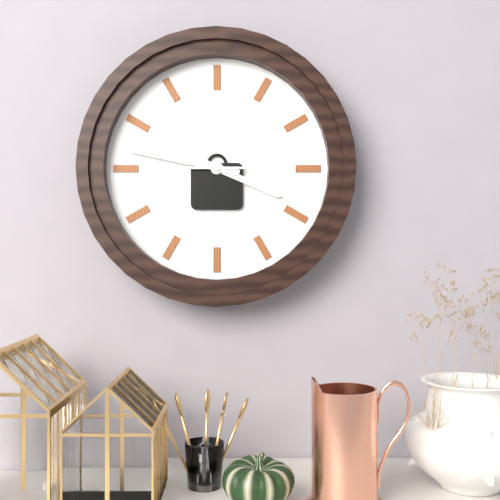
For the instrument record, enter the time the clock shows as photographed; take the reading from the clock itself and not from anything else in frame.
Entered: 3:47:15
